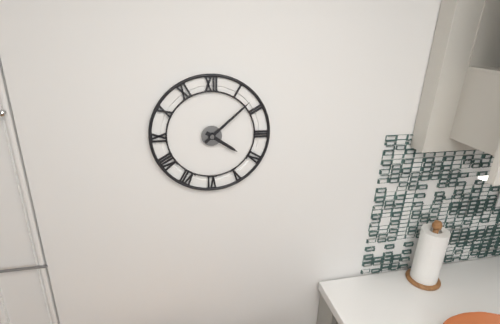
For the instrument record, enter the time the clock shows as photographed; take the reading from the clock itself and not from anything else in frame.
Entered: 4:08
